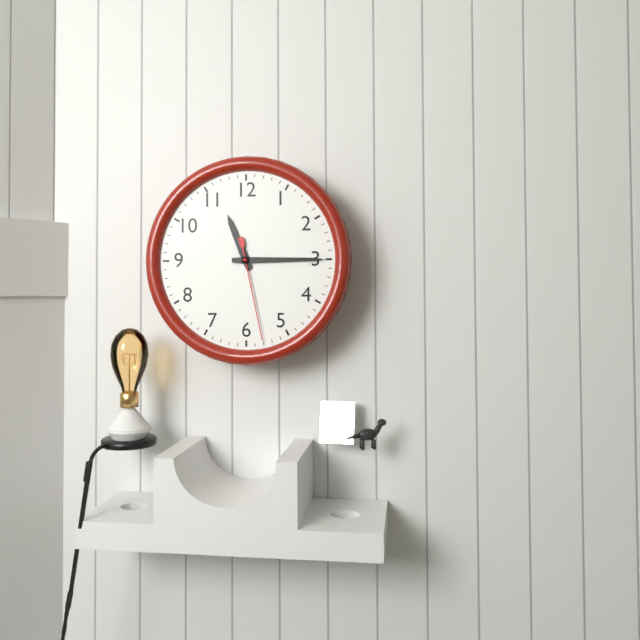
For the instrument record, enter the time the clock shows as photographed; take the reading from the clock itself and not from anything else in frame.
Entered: 11:15:28
